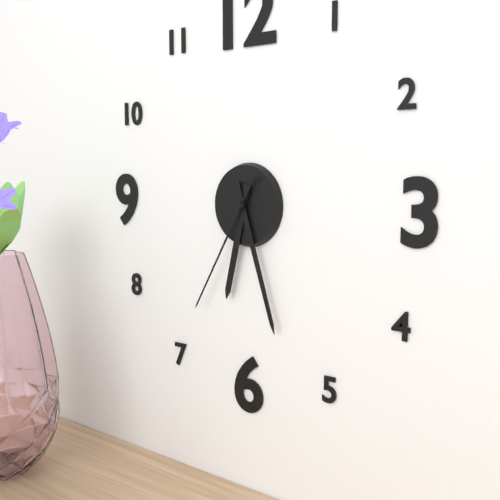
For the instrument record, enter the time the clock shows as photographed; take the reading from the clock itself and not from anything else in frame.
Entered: 6:27:35
